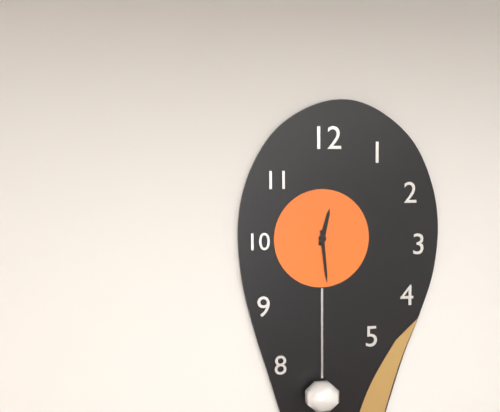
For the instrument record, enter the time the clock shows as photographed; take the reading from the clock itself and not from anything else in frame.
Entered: 12:29
